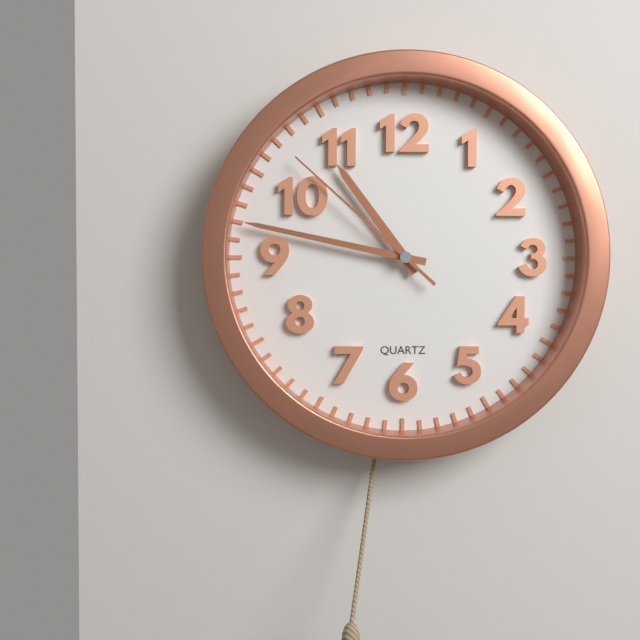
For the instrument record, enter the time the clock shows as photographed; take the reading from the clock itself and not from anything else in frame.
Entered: 10:47:52
